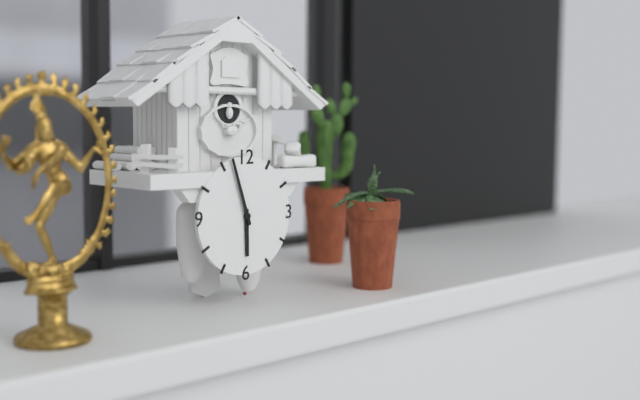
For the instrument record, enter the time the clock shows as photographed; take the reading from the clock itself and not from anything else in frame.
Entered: 5:57
